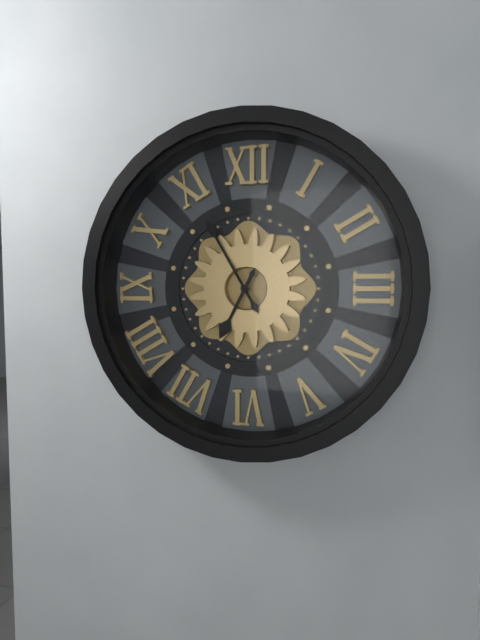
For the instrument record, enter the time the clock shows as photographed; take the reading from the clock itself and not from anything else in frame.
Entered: 6:55
